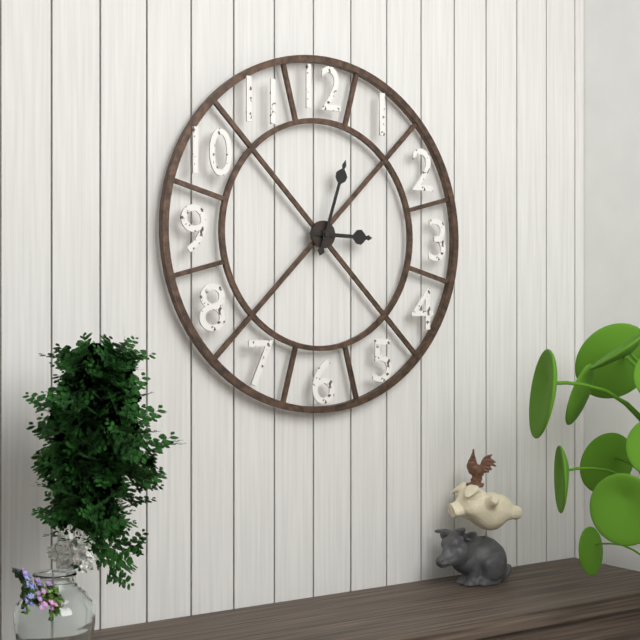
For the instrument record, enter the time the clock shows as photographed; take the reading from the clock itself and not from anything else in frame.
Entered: 3:03
